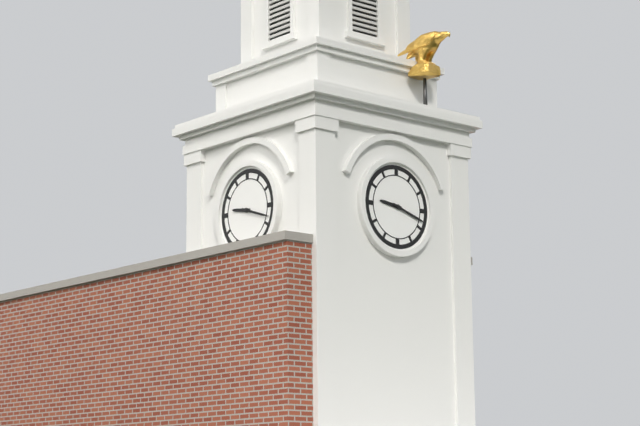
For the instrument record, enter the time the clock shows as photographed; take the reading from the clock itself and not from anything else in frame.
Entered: 9:18
